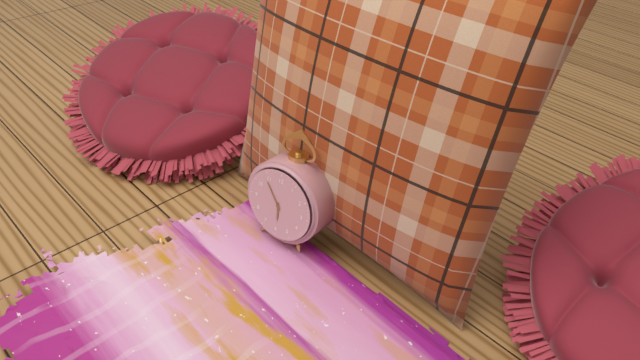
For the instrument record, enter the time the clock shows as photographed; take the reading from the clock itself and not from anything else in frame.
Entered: 5:54
